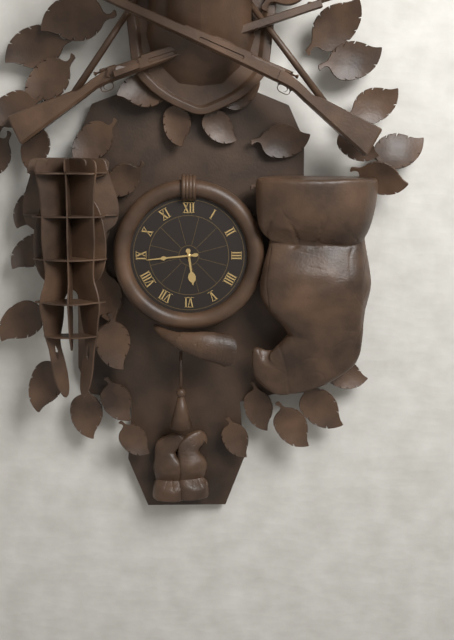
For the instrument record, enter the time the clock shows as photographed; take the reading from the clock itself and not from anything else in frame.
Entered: 5:44
